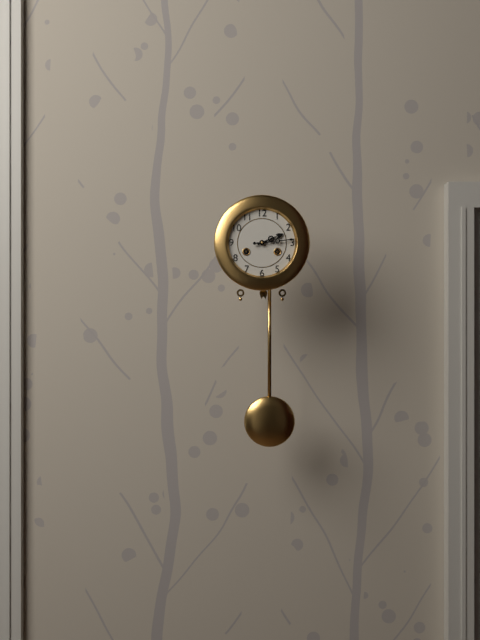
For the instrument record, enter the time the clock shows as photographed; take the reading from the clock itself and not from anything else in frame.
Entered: 2:14
